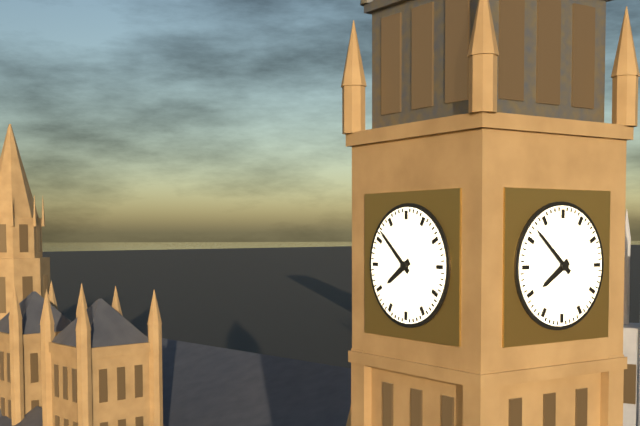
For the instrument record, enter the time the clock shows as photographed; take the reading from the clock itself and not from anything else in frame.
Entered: 7:52
